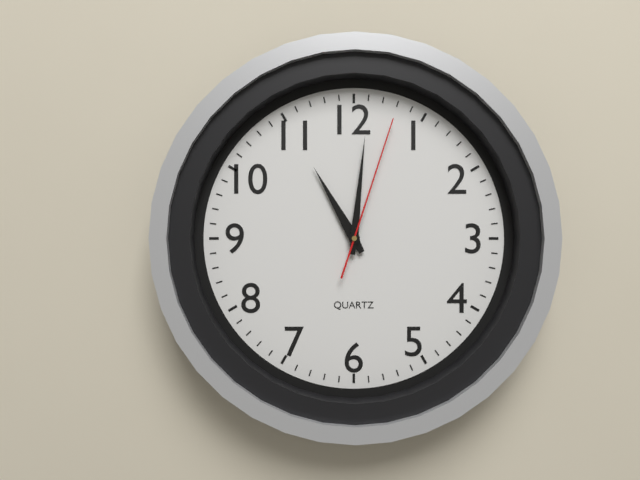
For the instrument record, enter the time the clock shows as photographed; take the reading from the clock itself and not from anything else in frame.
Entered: 11:01:03
